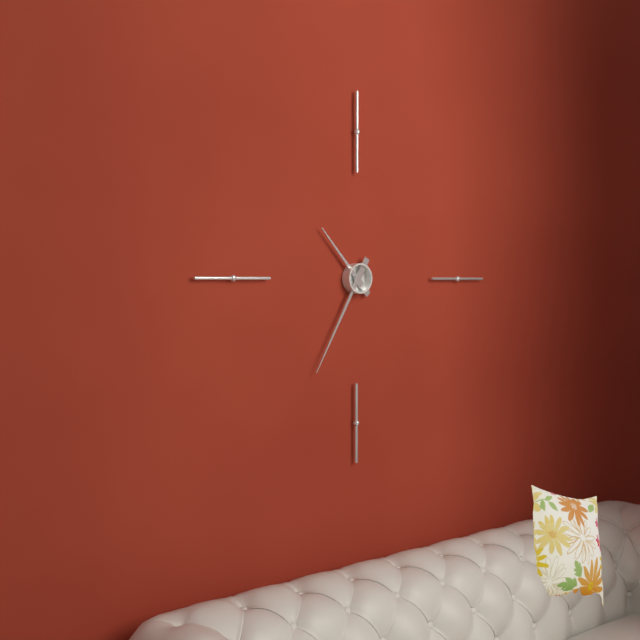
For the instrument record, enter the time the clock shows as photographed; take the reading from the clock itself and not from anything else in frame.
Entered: 10:35
